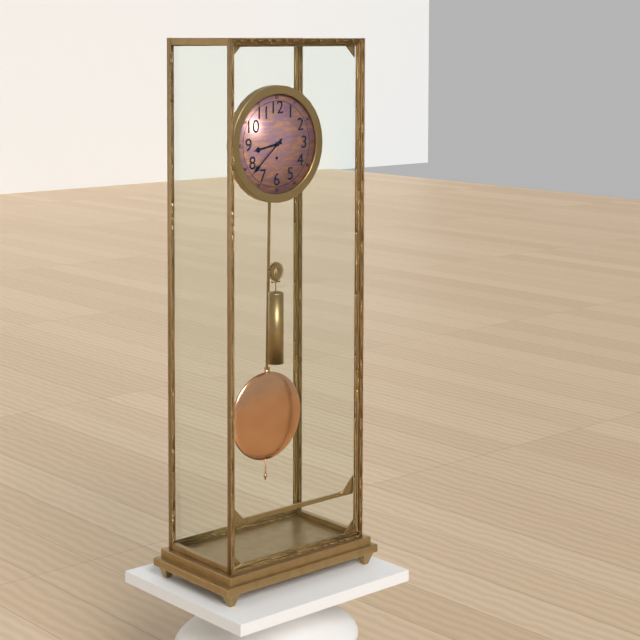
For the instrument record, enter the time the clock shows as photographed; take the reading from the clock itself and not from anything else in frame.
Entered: 8:38
